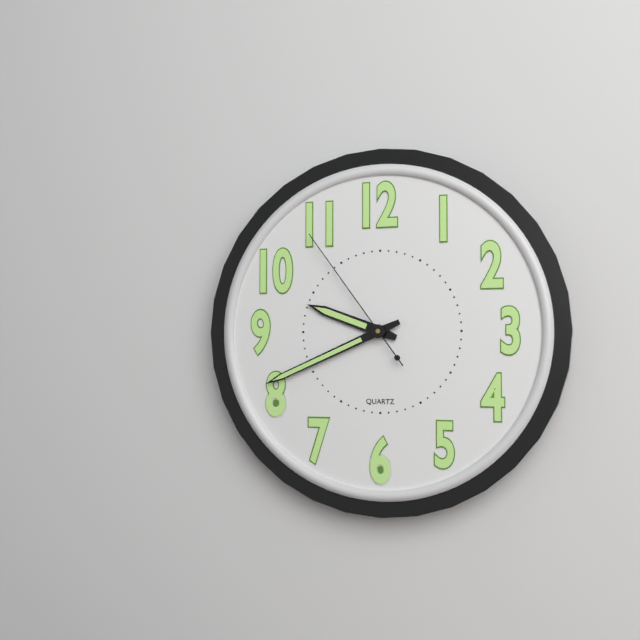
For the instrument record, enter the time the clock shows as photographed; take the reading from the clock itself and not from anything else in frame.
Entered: 9:41:54
